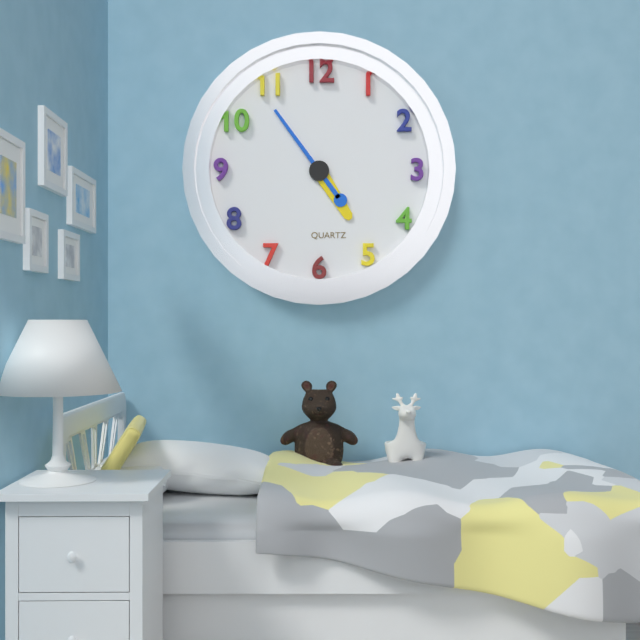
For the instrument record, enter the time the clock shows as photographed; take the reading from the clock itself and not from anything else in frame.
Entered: 4:54
